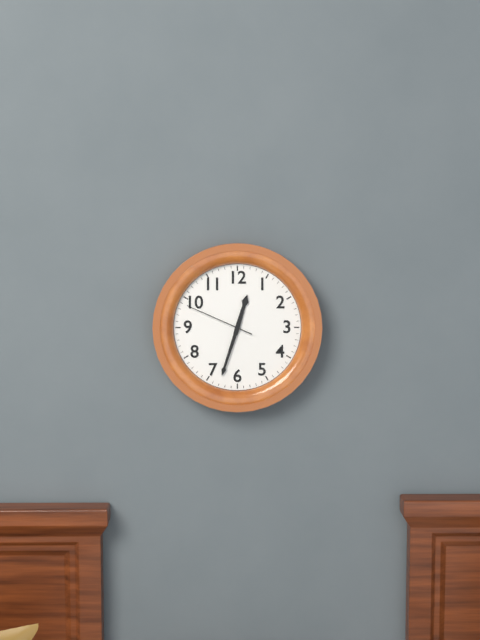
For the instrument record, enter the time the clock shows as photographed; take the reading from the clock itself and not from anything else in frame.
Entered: 12:33:49
